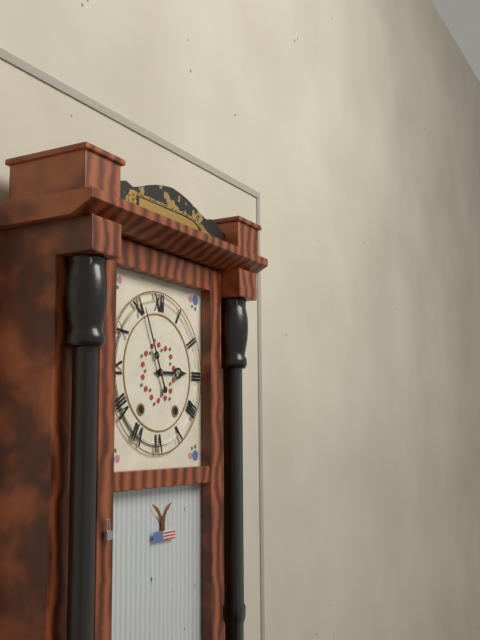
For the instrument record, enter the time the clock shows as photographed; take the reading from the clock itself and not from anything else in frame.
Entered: 2:56
